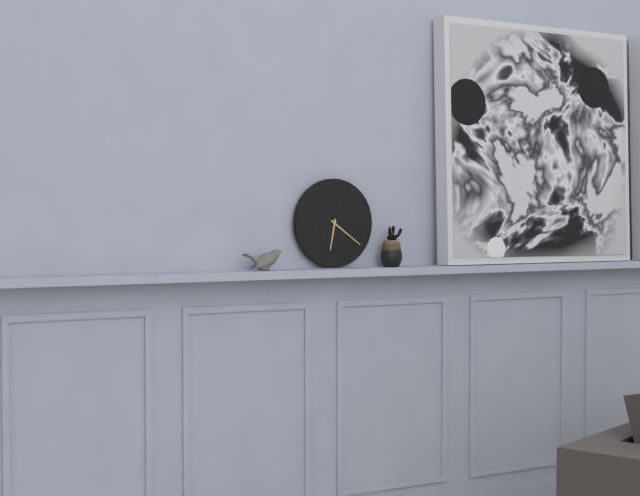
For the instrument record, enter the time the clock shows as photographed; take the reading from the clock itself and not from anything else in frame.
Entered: 6:21
